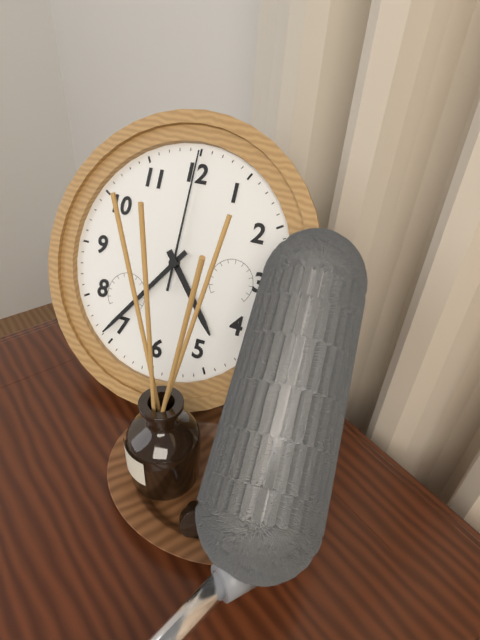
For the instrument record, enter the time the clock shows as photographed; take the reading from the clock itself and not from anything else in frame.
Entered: 4:36:00
